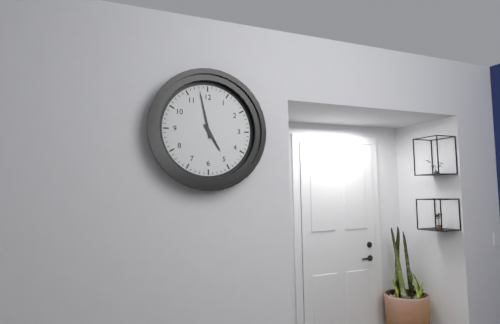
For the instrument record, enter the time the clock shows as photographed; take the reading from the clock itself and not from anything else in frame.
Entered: 4:58
